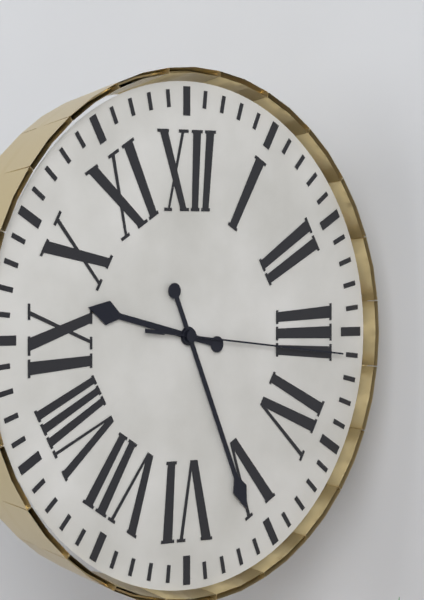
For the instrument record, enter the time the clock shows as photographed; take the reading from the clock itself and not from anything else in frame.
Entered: 9:26:16
